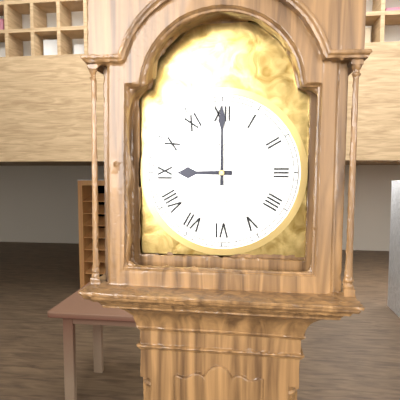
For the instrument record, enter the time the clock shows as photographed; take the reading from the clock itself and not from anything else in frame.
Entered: 9:00
